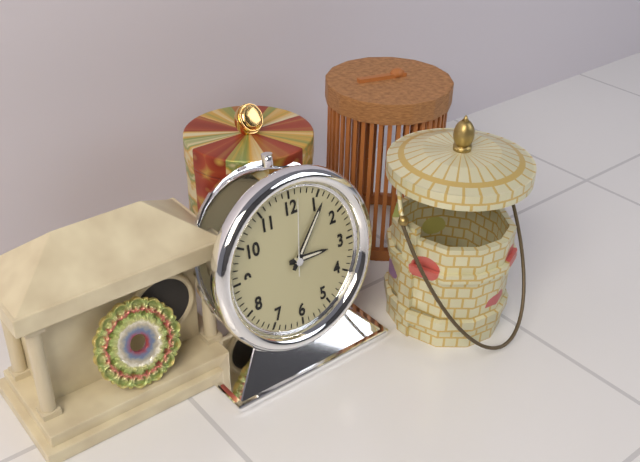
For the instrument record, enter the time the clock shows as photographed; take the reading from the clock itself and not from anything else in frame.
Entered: 3:06:01
